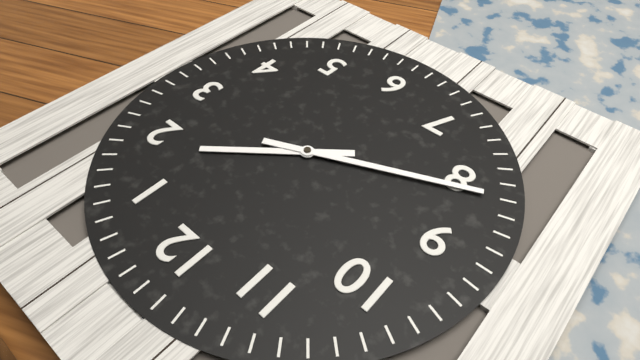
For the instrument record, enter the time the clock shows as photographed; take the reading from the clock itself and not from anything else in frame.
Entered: 1:41
